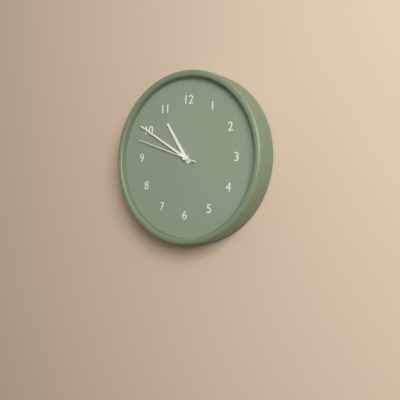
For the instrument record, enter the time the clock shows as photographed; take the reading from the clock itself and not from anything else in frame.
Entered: 10:50:48
